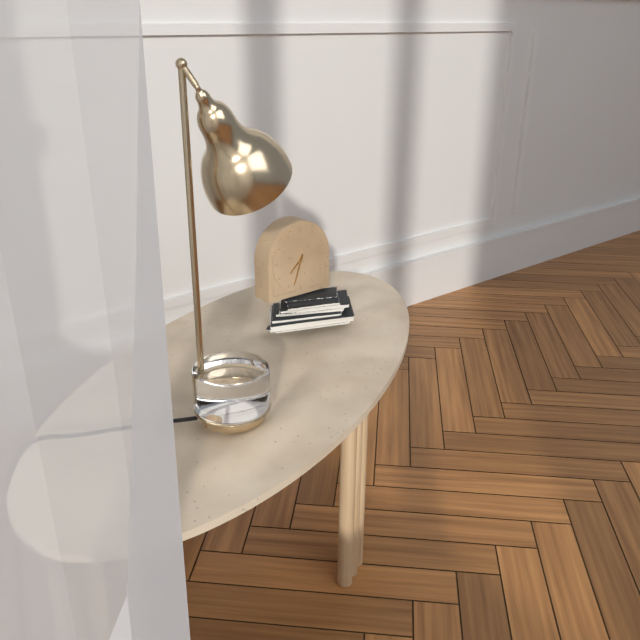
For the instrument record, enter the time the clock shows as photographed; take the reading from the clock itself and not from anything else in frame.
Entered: 7:33
